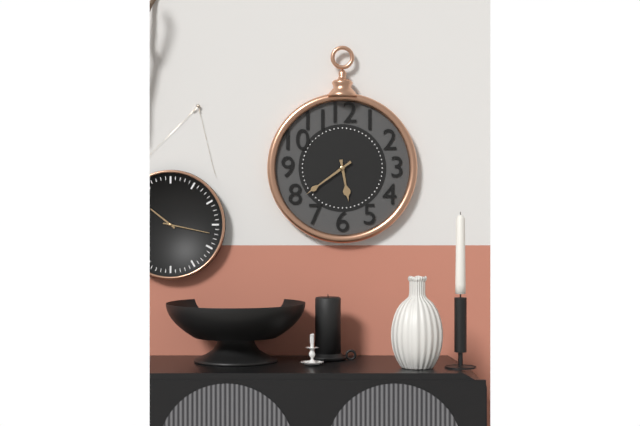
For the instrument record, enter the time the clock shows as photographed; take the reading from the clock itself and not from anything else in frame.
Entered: 5:39
